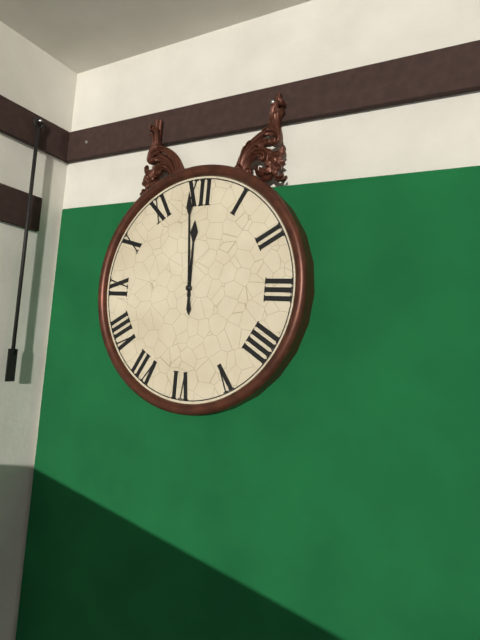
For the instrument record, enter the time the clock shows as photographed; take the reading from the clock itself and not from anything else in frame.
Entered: 11:59
